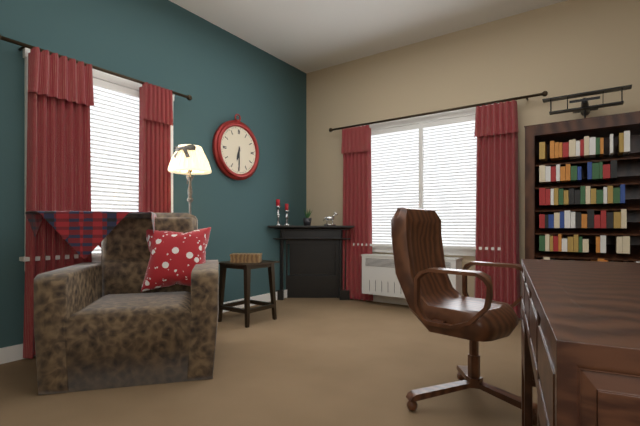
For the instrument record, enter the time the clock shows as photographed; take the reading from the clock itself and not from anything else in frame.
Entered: 6:30
